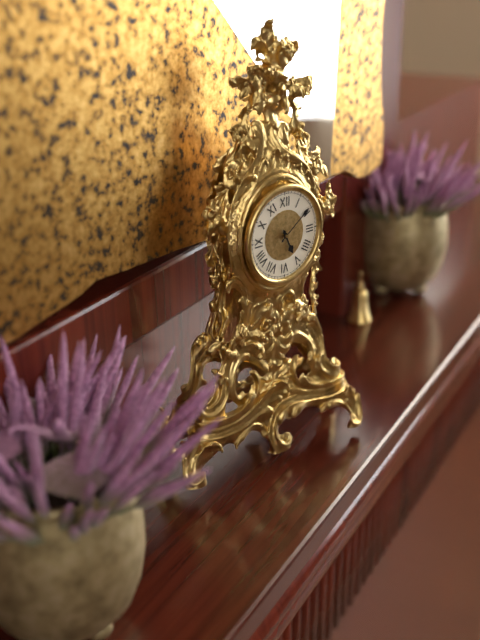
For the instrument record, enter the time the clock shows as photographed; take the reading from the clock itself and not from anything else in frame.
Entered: 5:09
